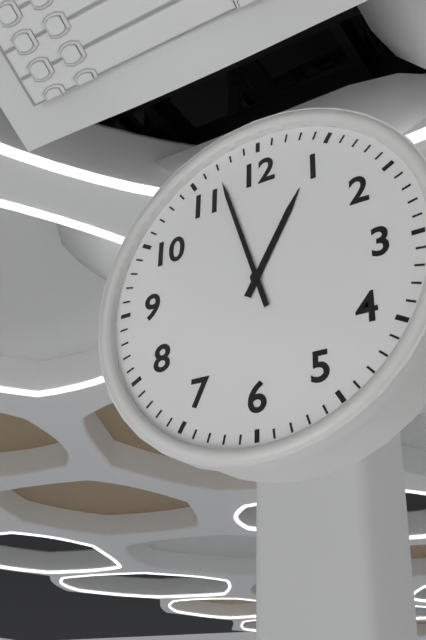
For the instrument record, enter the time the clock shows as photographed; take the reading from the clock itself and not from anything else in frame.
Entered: 12:57
